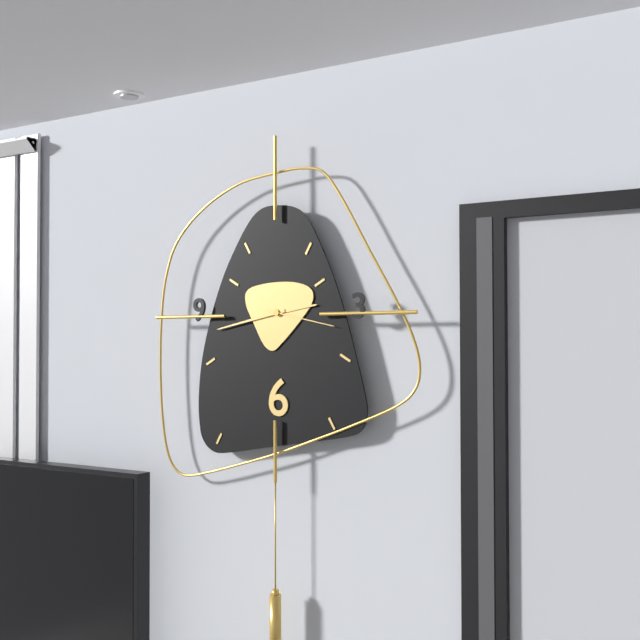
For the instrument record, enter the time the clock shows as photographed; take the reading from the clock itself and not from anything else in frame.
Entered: 2:43:17
